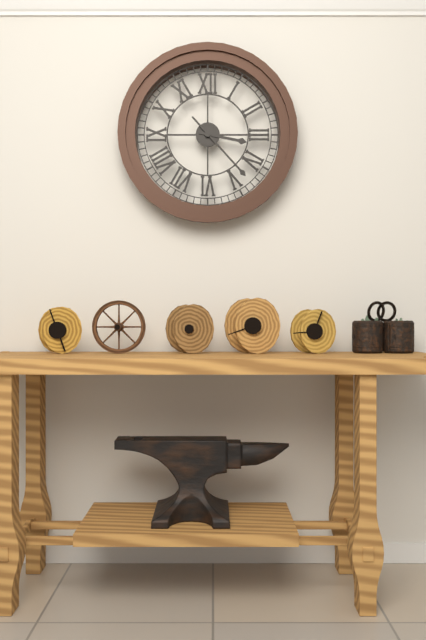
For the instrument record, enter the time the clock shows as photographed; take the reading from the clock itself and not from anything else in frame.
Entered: 3:23
